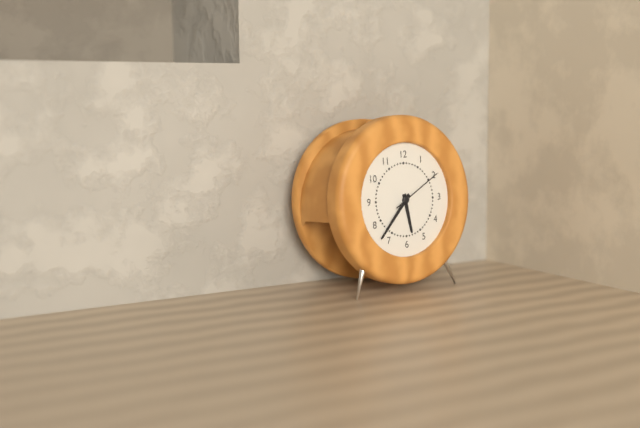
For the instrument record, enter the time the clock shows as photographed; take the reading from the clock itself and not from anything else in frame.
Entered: 5:37:10
